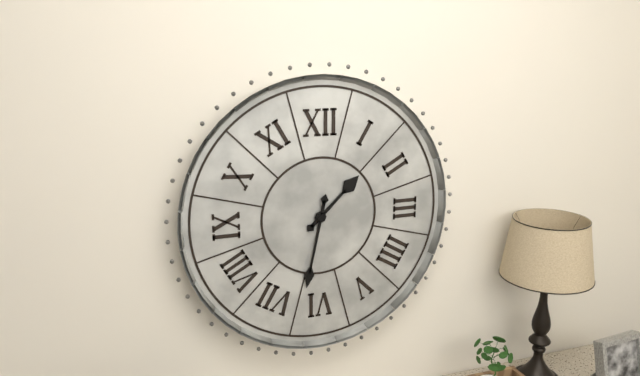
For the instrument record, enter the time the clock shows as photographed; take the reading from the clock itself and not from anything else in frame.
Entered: 1:32
